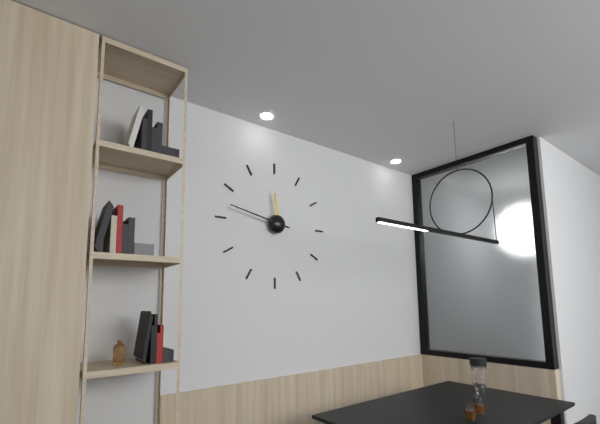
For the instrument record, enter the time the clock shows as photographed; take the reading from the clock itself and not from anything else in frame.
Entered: 11:47
